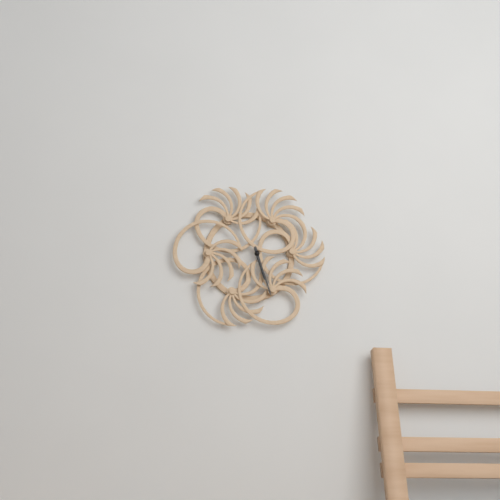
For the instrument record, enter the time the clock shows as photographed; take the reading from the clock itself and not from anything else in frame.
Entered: 5:27
